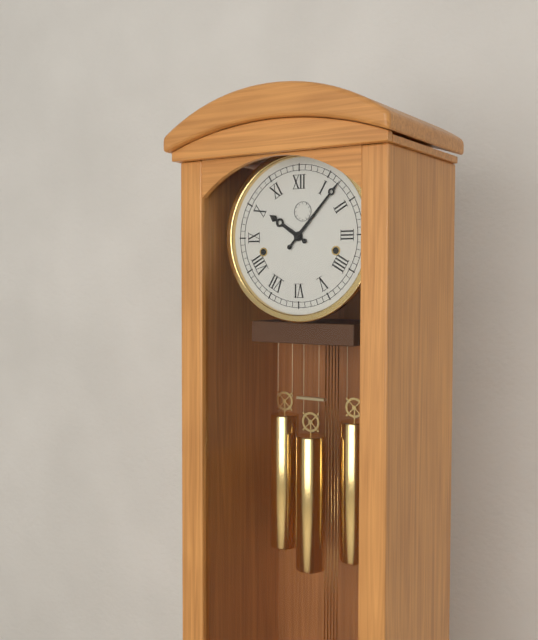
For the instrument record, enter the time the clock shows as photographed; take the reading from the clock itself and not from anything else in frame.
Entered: 10:07
